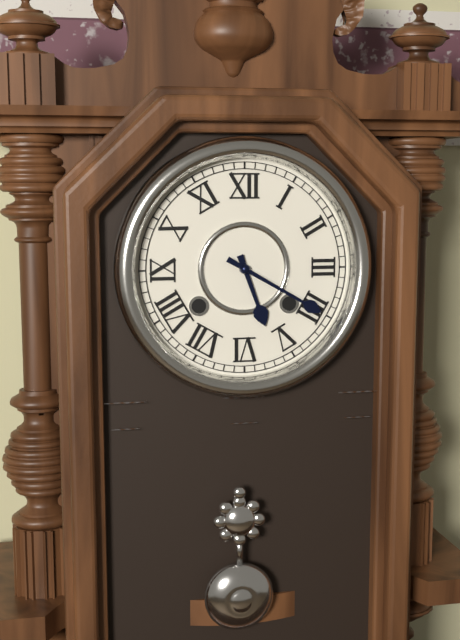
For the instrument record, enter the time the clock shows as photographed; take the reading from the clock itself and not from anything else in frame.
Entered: 5:20
